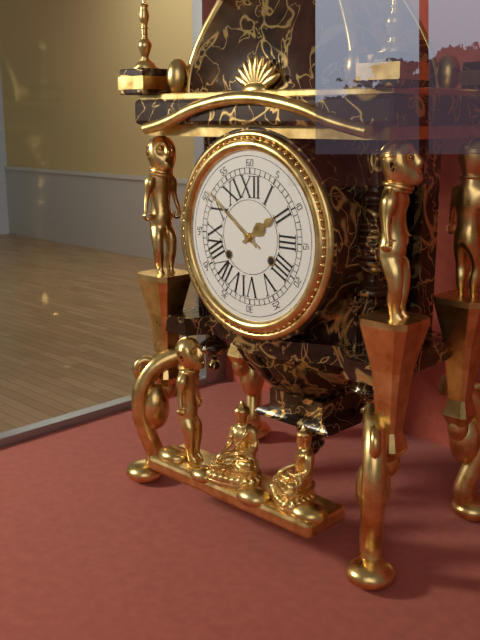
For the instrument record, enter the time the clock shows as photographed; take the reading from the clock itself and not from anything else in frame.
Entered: 1:51
